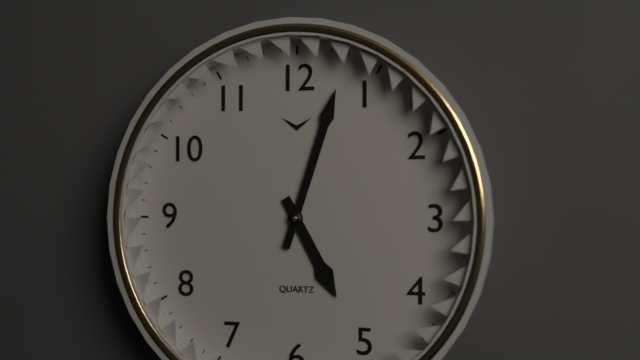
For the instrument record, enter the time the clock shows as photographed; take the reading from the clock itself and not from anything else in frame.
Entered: 5:03
